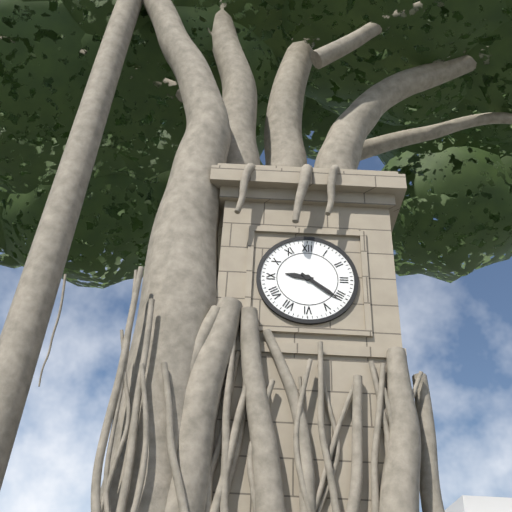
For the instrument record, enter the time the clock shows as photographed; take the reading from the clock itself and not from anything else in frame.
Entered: 9:21
